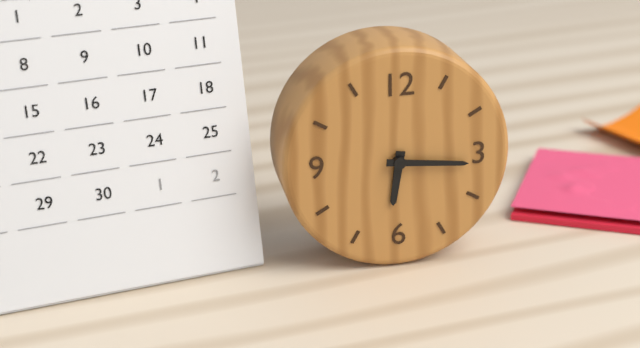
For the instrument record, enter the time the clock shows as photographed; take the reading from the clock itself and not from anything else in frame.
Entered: 6:16
